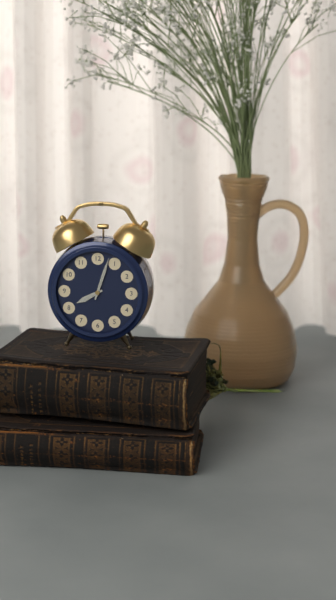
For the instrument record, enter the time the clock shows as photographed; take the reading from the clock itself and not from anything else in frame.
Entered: 8:03
